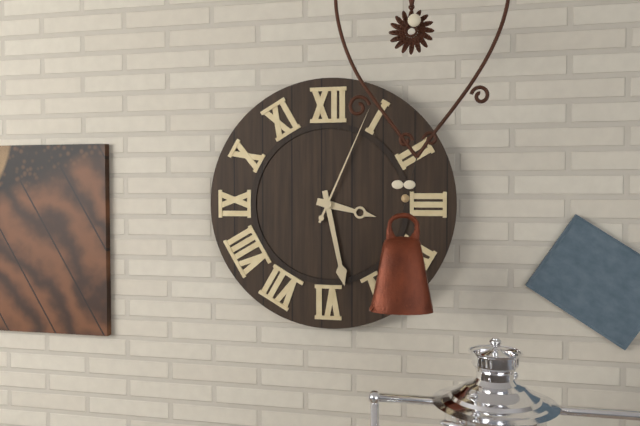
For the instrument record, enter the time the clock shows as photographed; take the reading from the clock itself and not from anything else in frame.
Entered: 3:28:04
